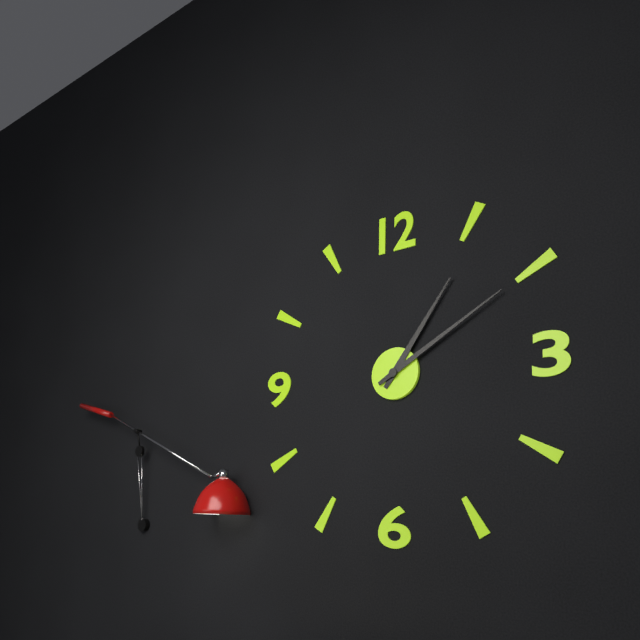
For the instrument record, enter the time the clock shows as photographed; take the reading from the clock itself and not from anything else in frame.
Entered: 1:10
